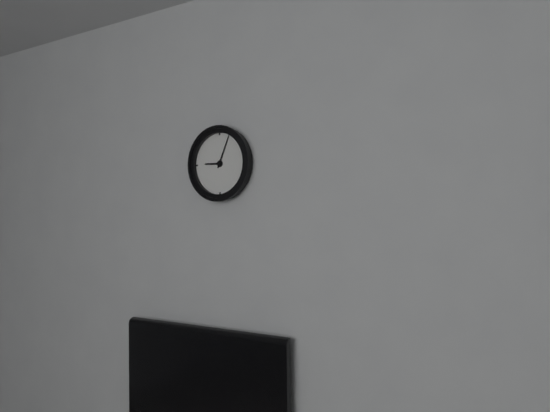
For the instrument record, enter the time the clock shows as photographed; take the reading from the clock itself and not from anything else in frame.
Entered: 9:04
